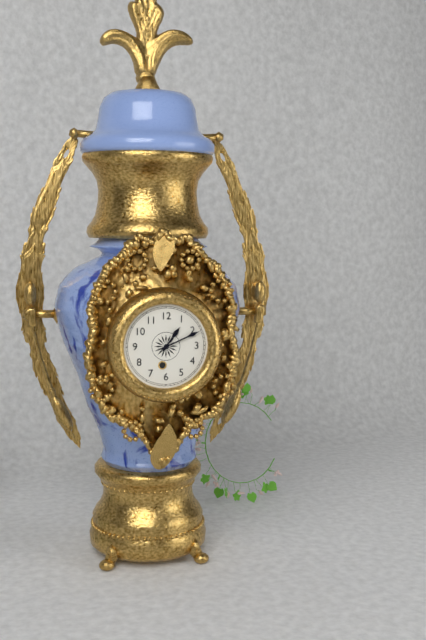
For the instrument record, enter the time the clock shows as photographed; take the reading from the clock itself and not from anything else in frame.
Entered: 1:11
